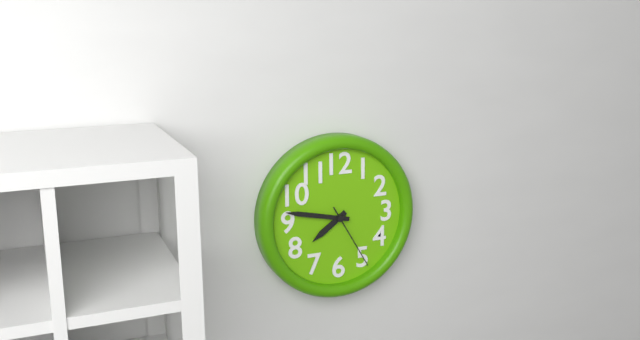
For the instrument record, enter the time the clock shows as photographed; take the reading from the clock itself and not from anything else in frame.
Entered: 7:47:25
